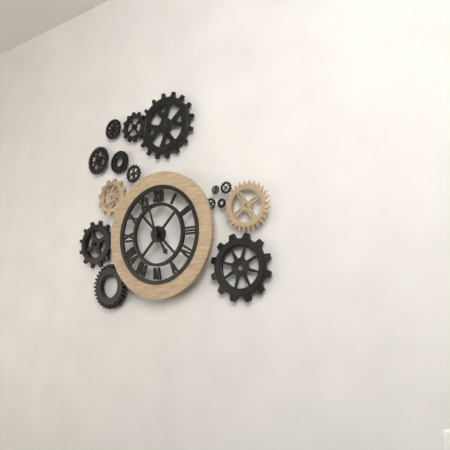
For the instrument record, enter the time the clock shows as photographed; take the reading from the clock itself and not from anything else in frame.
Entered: 4:57
